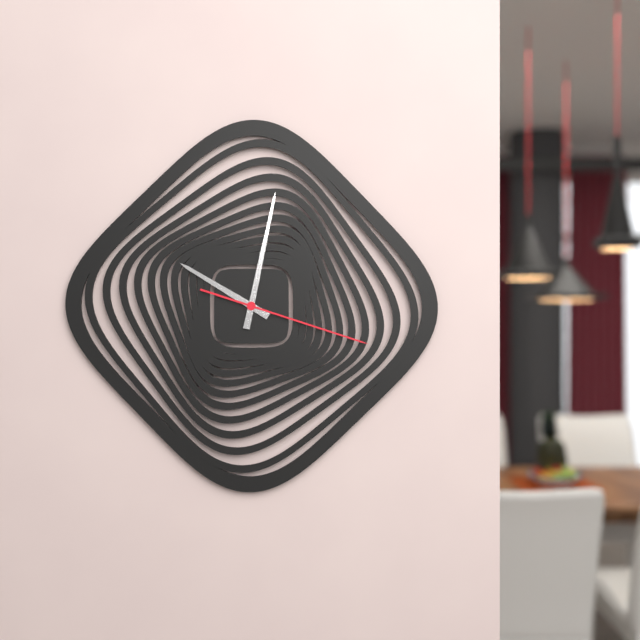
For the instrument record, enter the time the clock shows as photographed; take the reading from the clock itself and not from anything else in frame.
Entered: 10:02:18
